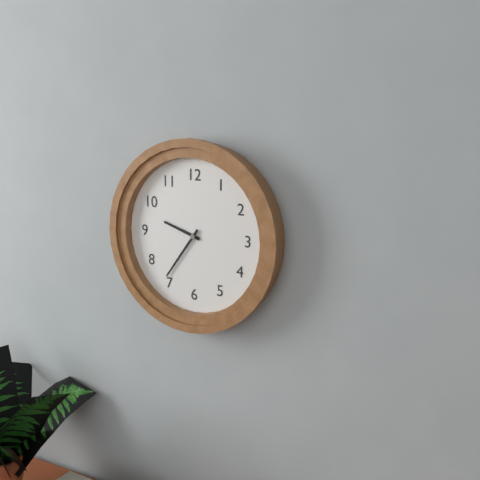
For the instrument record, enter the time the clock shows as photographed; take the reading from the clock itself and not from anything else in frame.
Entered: 9:36
